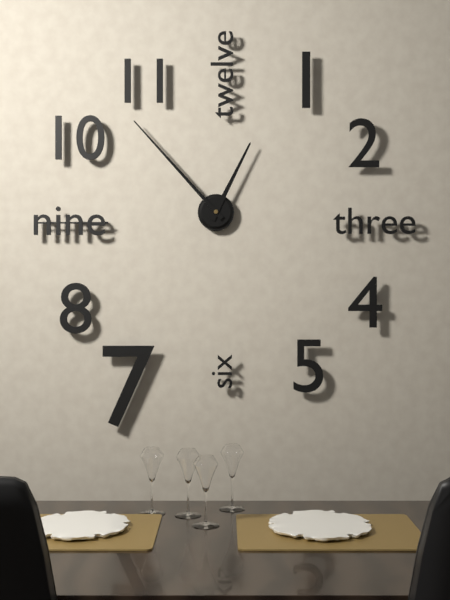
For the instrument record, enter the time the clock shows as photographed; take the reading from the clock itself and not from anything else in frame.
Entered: 12:53
